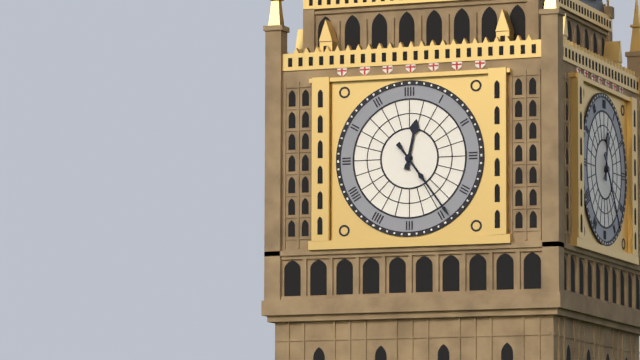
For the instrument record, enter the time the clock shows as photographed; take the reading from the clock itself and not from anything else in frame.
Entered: 12:24
